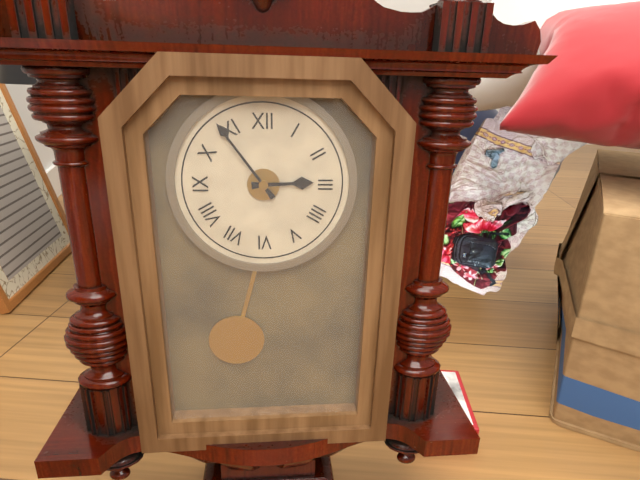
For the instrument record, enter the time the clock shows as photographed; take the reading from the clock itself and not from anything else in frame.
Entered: 2:54
